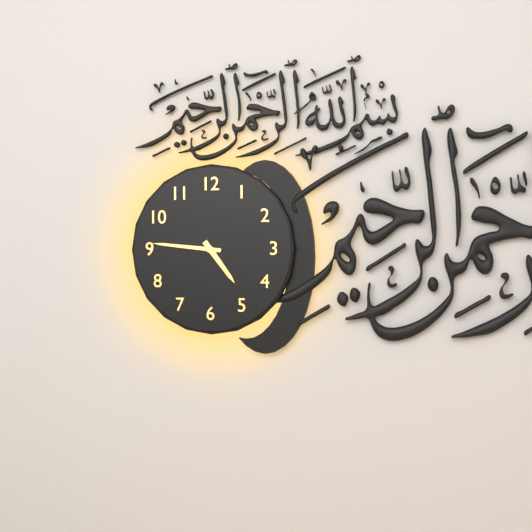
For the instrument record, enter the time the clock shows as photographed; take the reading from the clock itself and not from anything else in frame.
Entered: 4:46
